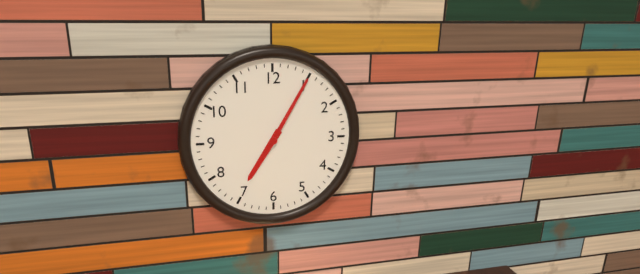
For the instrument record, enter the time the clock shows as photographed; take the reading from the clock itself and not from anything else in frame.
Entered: 7:05
